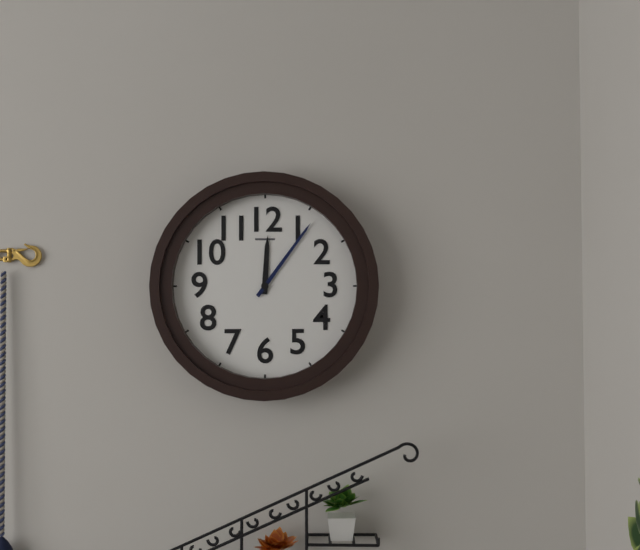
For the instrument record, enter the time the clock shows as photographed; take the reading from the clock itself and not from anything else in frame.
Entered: 12:06
